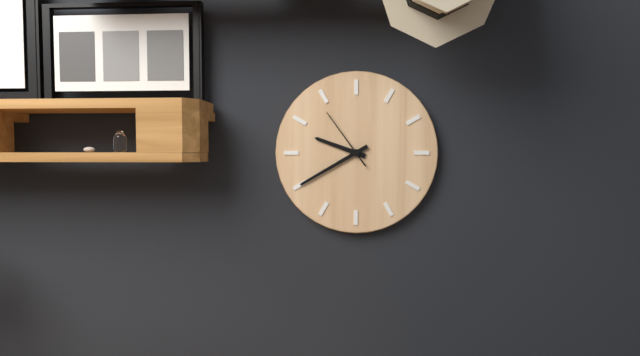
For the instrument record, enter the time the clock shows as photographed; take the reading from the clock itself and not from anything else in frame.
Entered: 9:40:54
